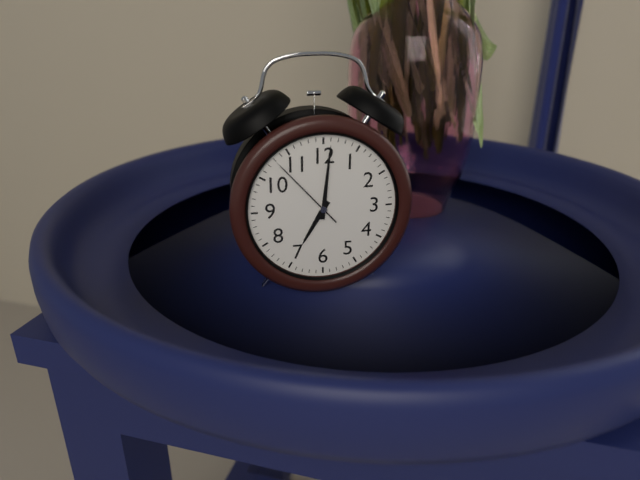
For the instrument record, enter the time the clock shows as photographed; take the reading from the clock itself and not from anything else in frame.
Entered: 7:01:53
